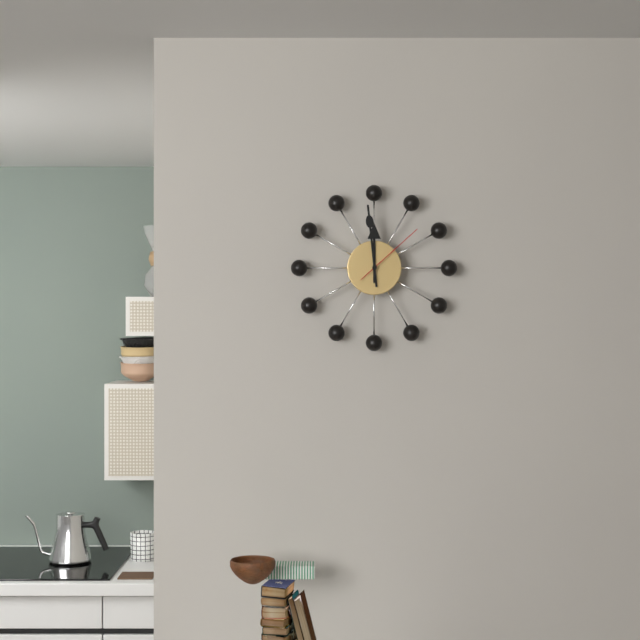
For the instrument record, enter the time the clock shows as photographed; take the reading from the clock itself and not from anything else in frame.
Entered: 11:59:08
